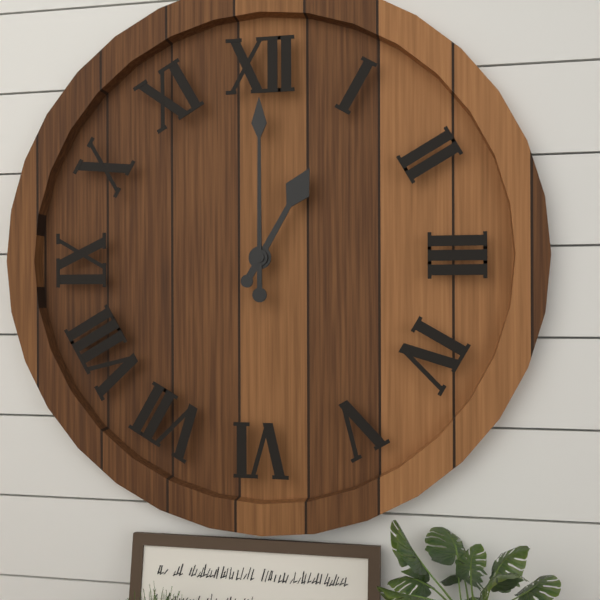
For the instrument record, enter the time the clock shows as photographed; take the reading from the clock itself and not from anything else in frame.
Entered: 1:00
